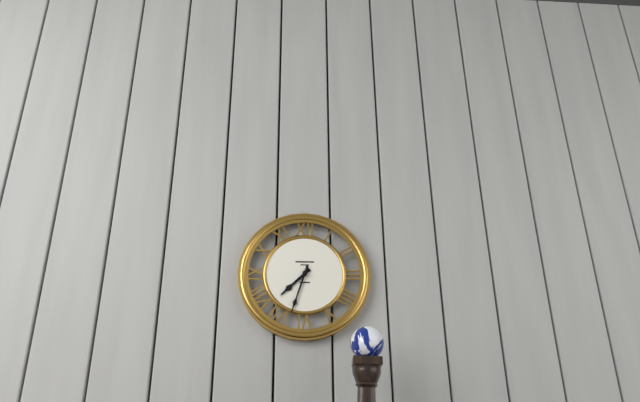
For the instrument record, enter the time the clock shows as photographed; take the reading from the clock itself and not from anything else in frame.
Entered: 7:33
